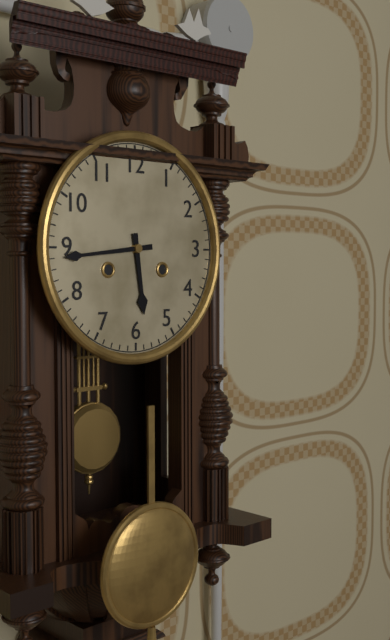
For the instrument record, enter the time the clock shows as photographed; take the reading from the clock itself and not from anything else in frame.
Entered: 5:44
